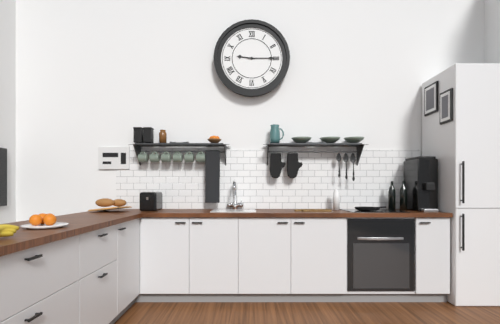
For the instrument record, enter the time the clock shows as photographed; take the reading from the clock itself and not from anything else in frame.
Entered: 9:15
